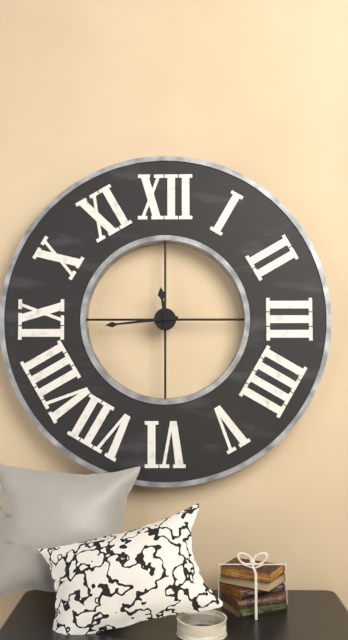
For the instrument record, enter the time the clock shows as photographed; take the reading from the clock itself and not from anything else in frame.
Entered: 11:44
